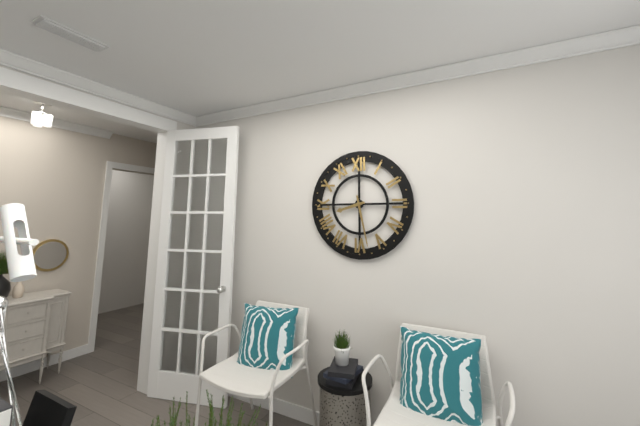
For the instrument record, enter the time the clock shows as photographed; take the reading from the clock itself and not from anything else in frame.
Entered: 8:28
